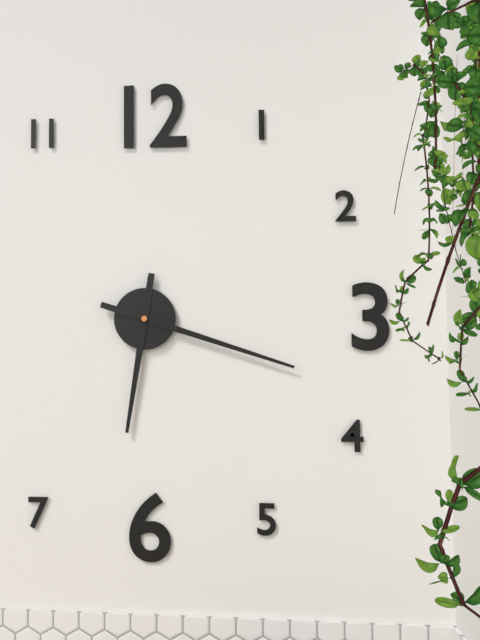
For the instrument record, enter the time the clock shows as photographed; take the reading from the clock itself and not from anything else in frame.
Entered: 6:18
